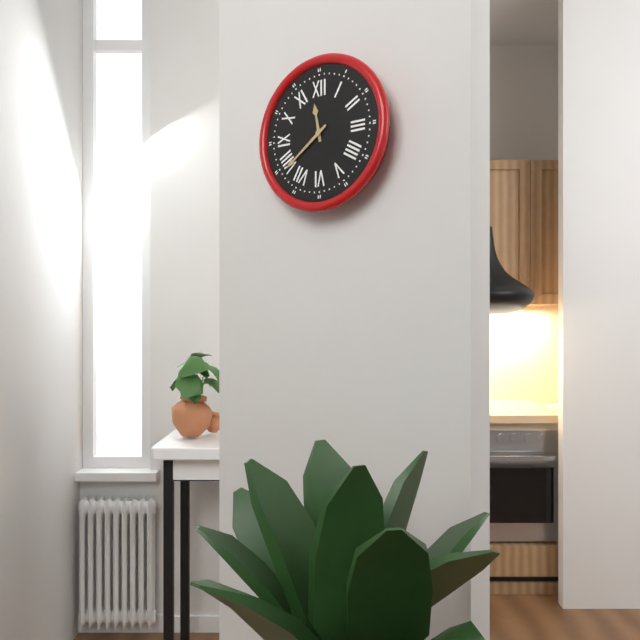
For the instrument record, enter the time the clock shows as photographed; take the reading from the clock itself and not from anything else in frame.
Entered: 11:39
